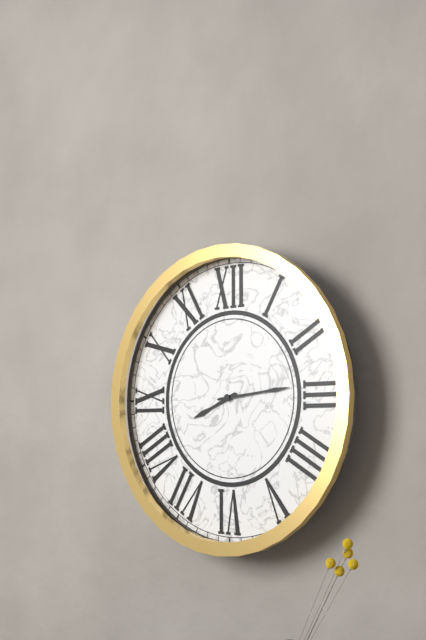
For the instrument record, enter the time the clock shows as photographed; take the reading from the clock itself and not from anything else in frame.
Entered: 8:14
